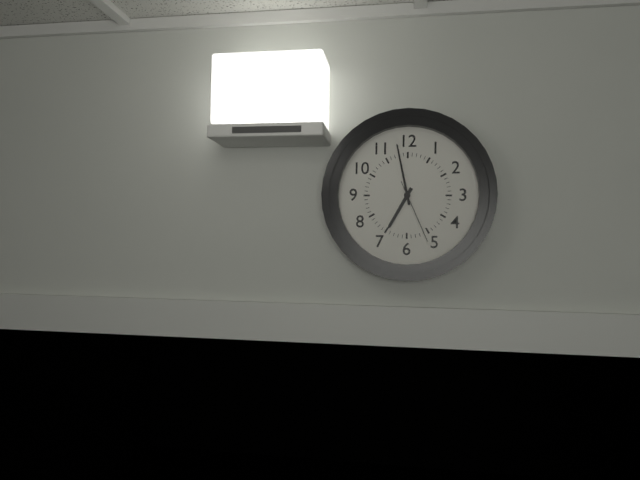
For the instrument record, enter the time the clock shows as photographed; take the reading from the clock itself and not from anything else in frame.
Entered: 6:58:26
